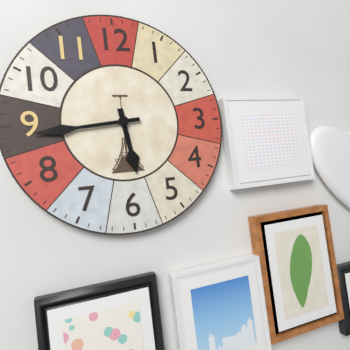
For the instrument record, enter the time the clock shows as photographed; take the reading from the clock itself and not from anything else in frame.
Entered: 5:44
